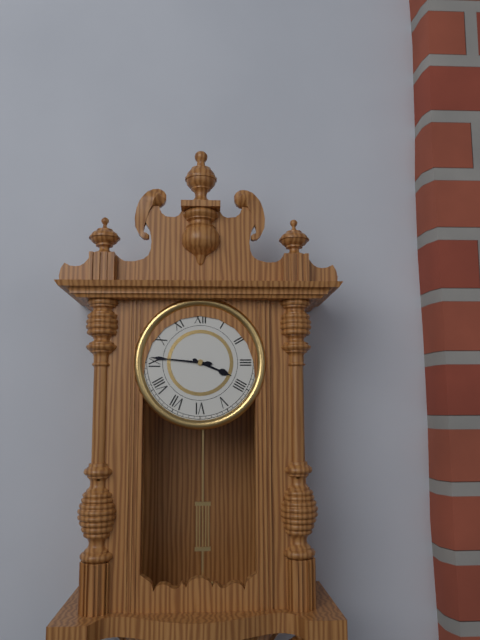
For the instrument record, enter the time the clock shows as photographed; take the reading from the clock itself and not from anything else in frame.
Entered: 3:46
